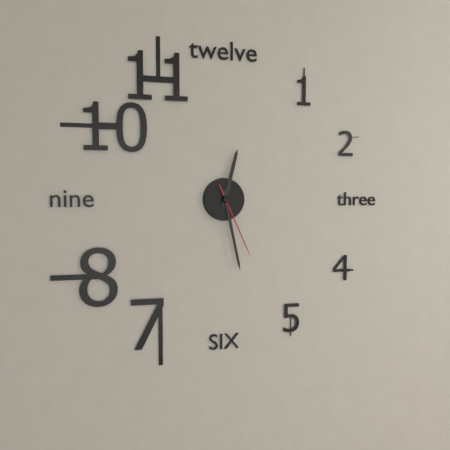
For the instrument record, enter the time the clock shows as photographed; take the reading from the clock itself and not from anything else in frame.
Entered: 12:28:26
